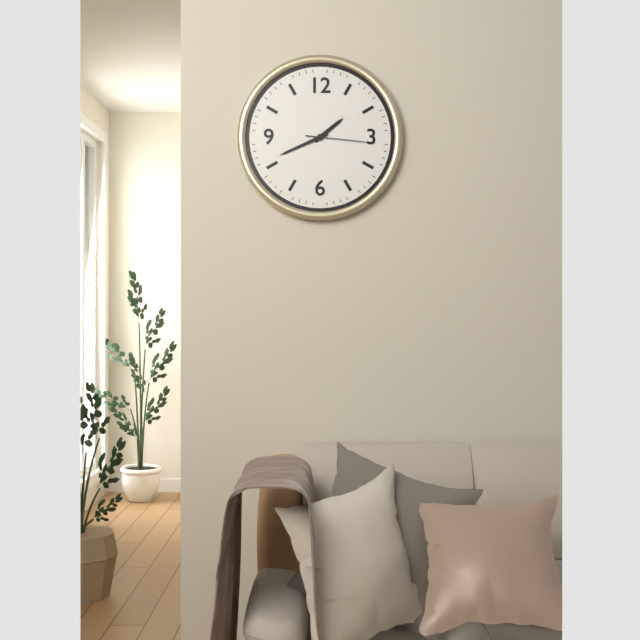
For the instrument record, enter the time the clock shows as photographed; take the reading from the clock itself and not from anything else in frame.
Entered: 1:41:16
